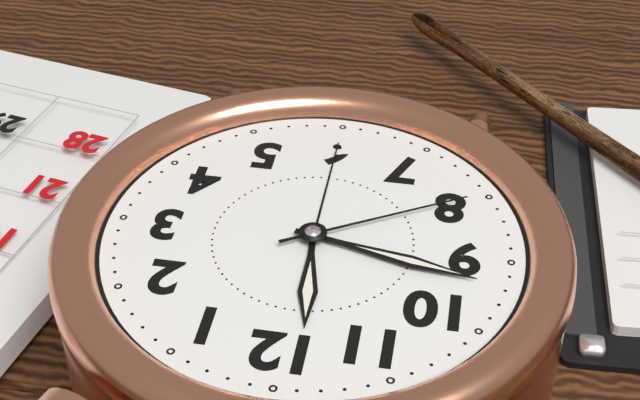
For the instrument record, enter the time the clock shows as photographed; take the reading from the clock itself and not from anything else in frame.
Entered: 11:47:40
